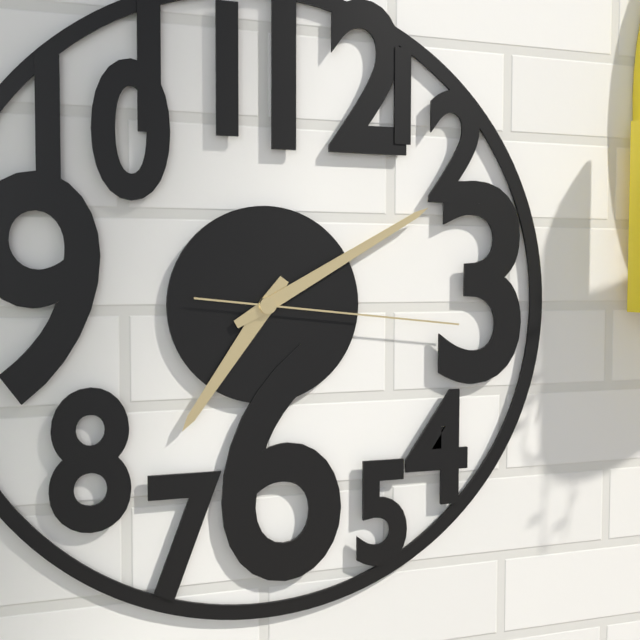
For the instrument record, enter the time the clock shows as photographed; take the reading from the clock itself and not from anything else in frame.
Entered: 7:10:16
